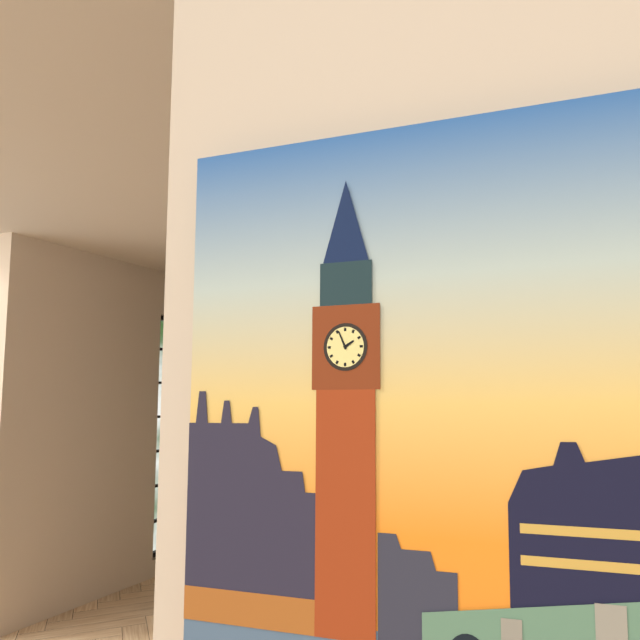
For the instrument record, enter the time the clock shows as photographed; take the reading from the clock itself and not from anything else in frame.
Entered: 1:56
